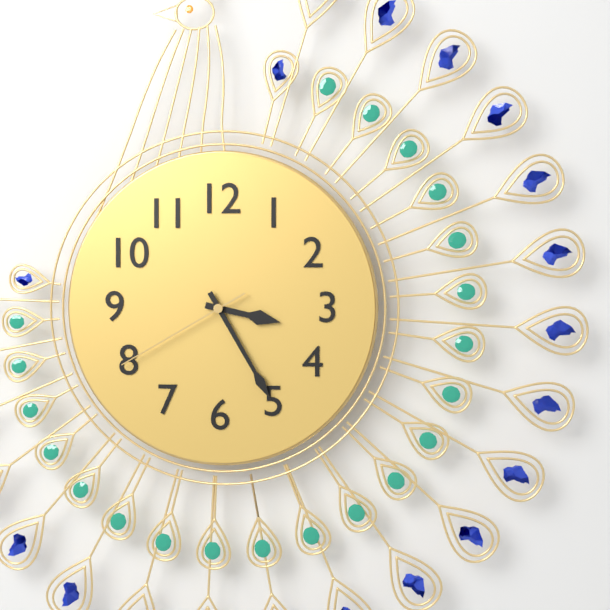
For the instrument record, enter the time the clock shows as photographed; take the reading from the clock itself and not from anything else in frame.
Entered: 3:25:40
